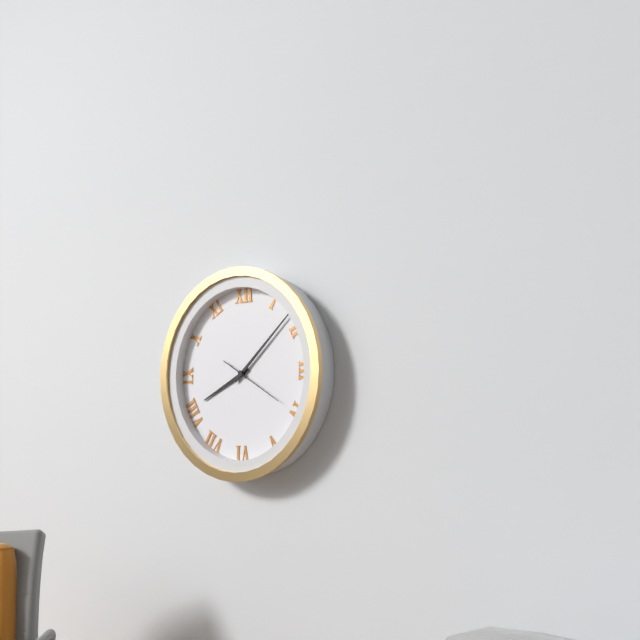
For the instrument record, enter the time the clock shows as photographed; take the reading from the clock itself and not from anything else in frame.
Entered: 8:08:20
